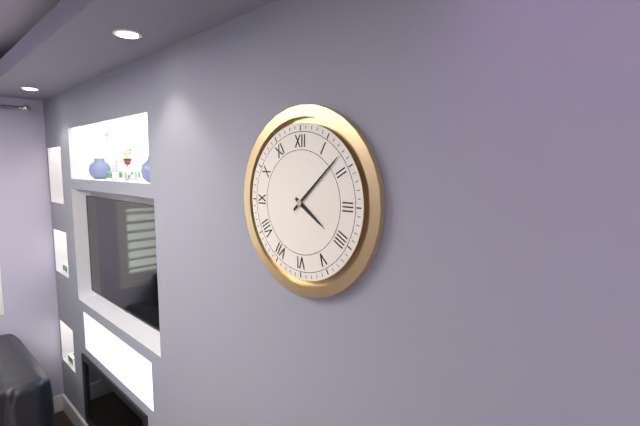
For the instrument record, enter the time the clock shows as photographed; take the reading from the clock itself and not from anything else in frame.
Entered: 4:08
